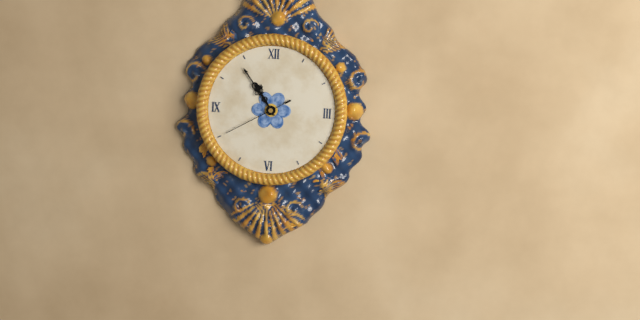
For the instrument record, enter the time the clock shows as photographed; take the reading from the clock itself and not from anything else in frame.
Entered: 10:54:40
